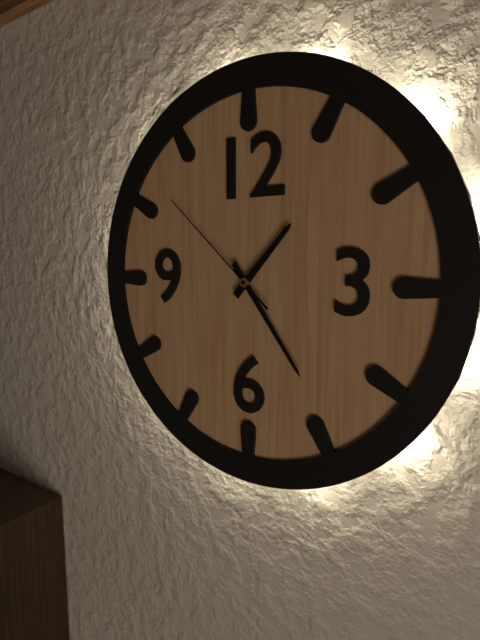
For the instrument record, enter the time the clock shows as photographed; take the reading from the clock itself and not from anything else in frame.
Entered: 1:24:52
